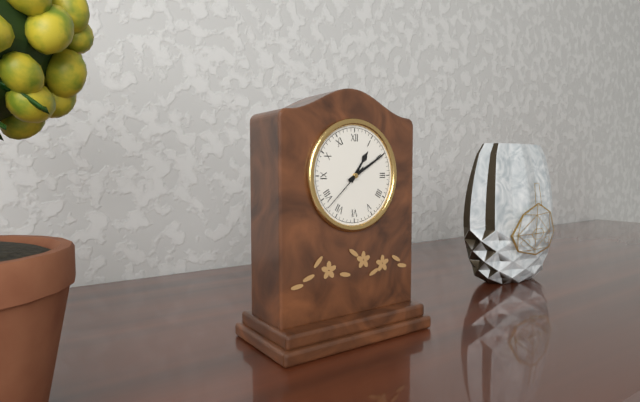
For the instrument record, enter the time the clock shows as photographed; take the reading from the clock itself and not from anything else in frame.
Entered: 1:10:38
